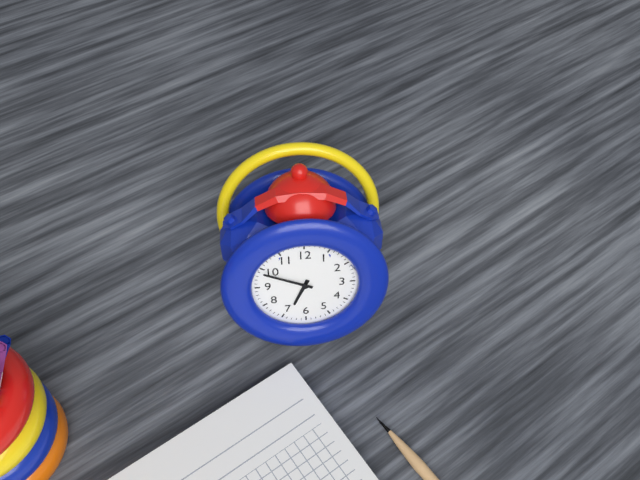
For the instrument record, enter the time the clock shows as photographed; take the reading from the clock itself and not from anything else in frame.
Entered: 6:49
